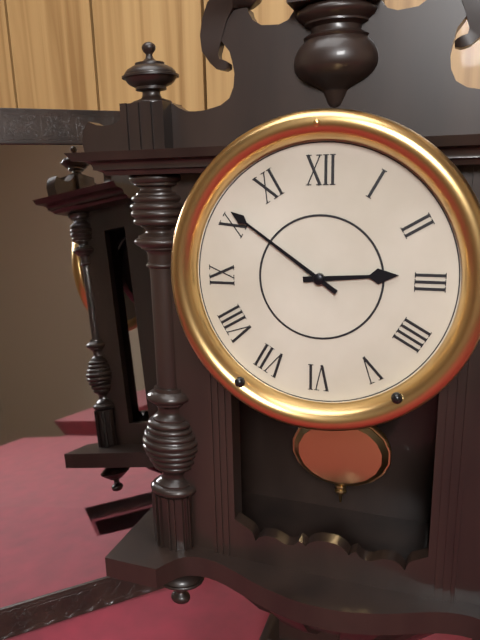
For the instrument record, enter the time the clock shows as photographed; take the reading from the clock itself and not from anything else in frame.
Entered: 2:51
